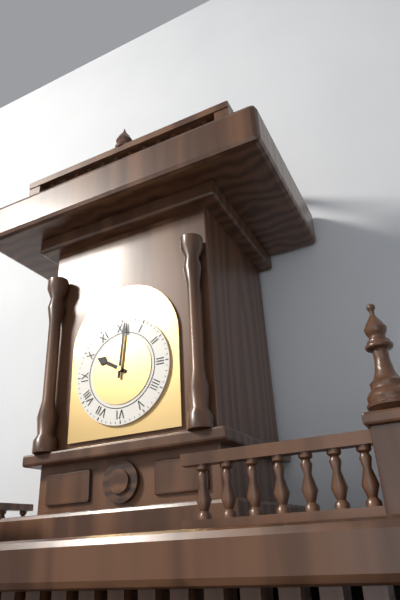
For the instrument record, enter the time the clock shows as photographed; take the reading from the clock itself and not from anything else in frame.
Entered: 10:01
